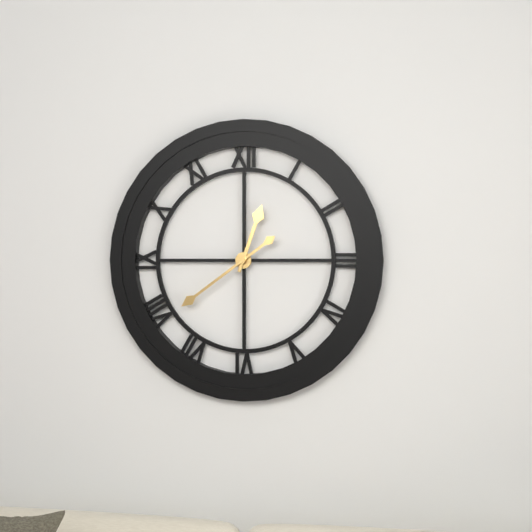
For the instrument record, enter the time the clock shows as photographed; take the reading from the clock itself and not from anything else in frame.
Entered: 12:39
